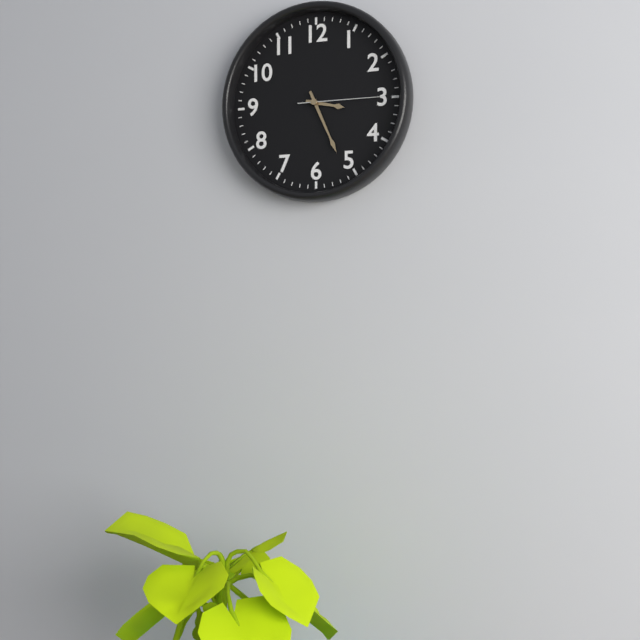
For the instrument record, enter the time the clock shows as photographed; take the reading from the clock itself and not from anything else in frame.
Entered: 3:26:15
